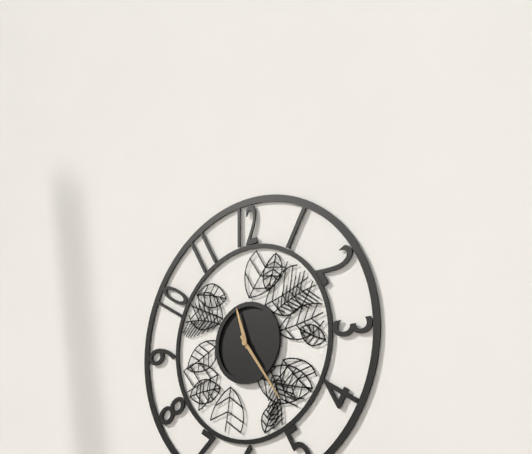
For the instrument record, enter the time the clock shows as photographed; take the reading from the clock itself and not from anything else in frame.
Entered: 11:24
